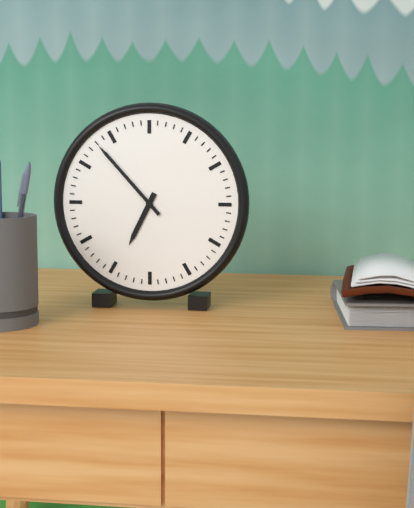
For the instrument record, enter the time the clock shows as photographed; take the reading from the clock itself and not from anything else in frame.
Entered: 6:53
